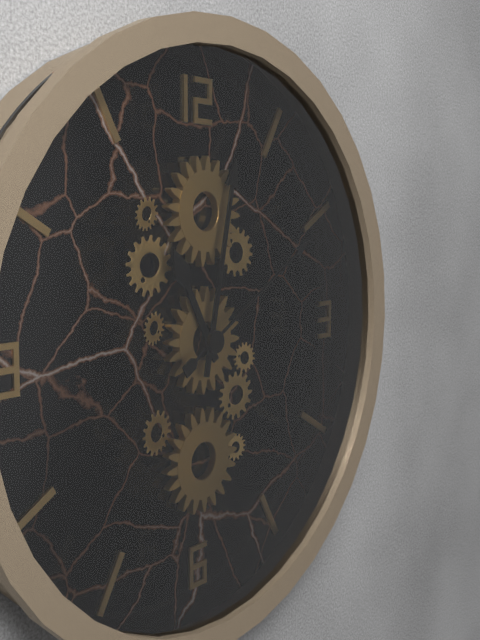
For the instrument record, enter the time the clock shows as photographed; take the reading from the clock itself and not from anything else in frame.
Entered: 11:02:10
